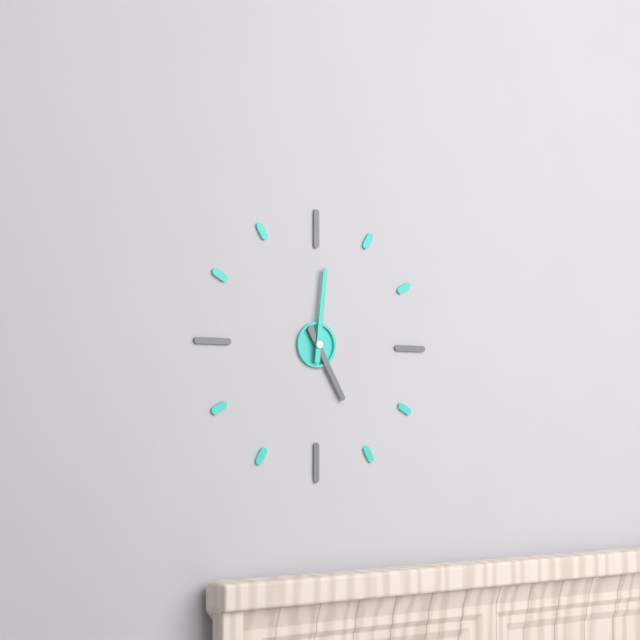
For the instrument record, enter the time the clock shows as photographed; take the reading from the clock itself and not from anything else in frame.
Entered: 5:01
